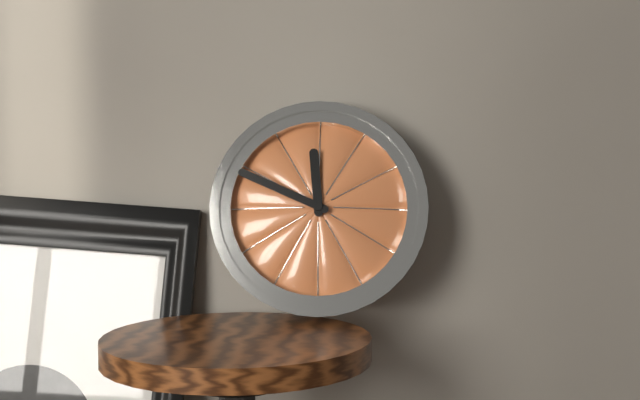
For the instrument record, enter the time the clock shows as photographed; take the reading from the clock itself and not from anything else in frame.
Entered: 11:49
